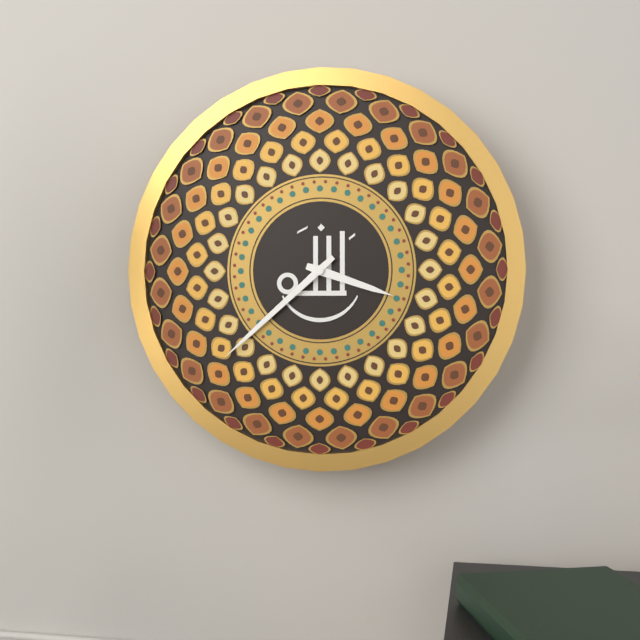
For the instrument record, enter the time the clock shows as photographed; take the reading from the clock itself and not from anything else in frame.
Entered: 3:38
